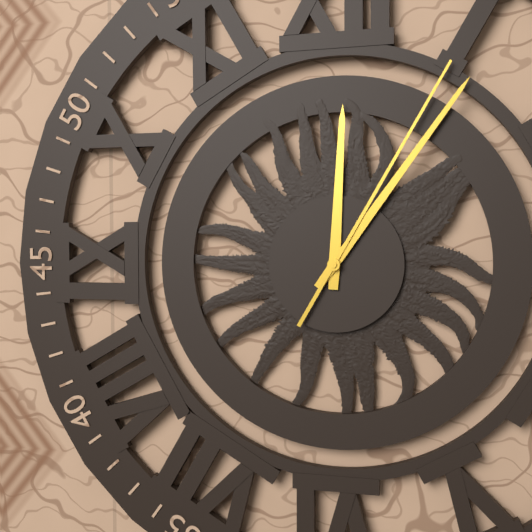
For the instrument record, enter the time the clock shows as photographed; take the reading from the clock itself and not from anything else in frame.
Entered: 12:06:05
